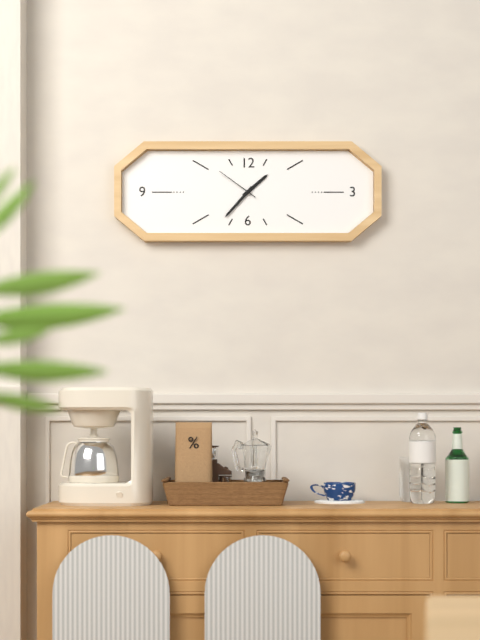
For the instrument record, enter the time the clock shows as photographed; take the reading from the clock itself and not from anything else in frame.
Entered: 1:37
